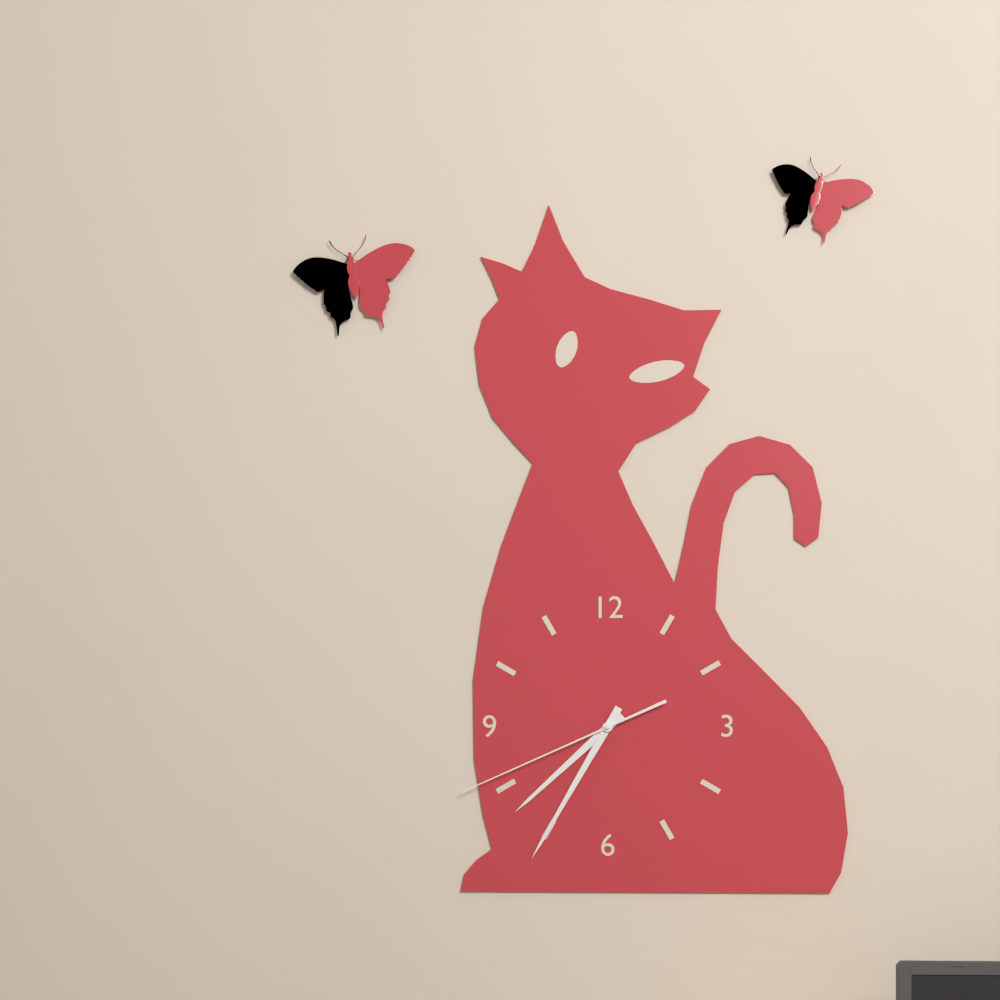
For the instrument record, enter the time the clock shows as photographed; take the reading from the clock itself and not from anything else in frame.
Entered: 7:35:41
